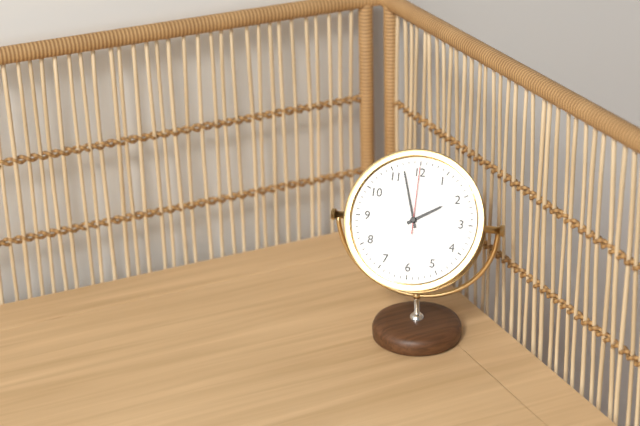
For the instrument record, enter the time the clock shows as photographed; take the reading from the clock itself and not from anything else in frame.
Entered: 1:57:00
